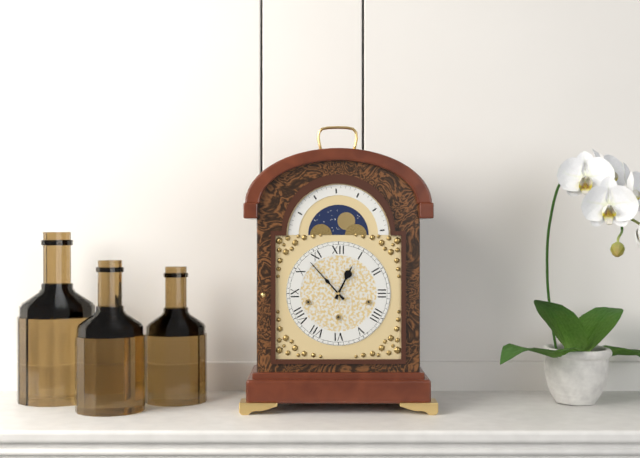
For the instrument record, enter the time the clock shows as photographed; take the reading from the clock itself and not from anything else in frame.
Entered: 12:53
